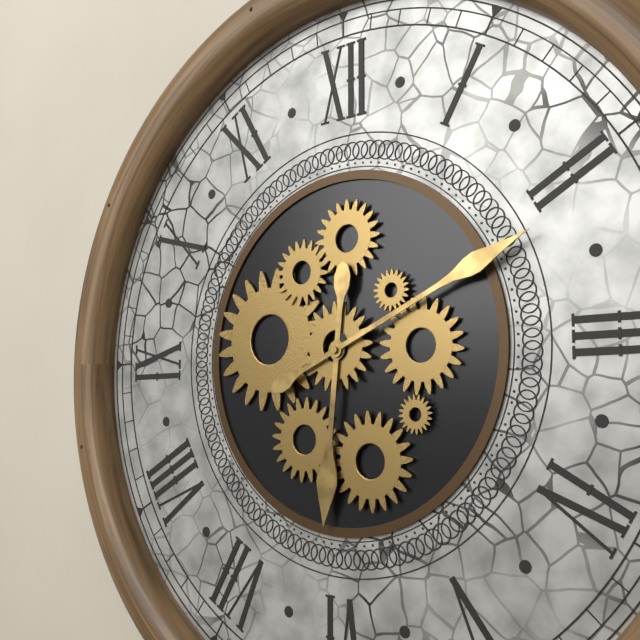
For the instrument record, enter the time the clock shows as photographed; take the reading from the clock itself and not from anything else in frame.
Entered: 6:11
